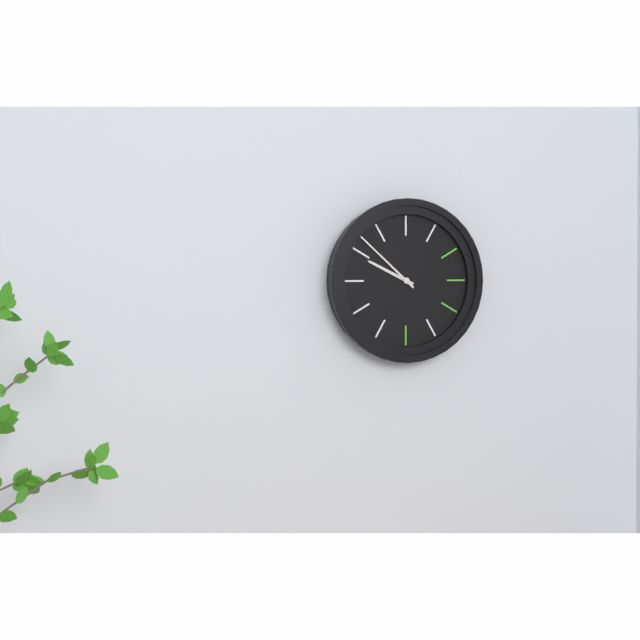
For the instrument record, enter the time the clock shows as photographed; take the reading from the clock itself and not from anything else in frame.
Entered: 9:52
